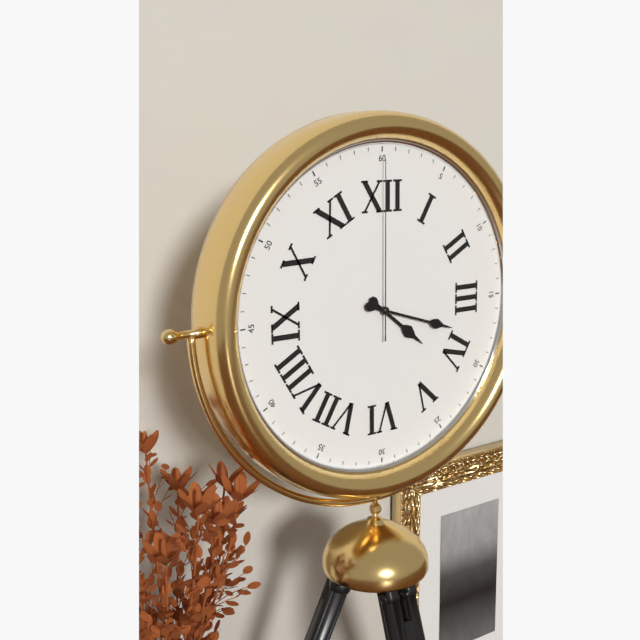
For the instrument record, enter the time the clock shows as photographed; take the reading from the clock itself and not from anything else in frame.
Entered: 4:18:00
